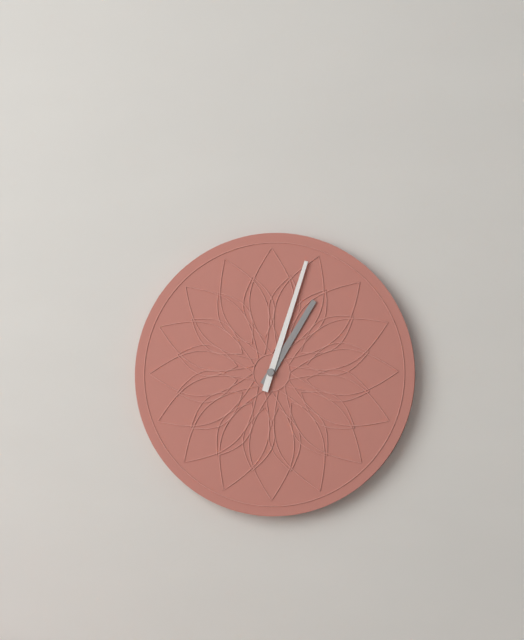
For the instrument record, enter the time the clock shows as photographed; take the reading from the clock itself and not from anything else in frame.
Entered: 1:03
